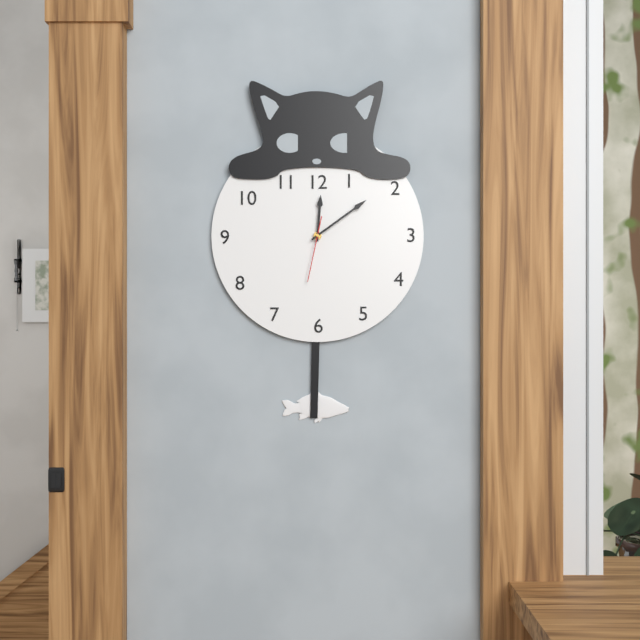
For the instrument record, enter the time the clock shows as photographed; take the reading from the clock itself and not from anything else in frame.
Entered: 12:09:32
